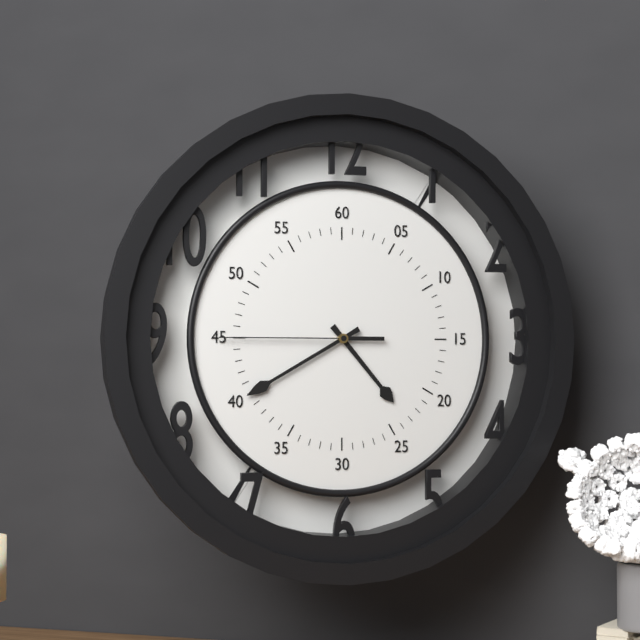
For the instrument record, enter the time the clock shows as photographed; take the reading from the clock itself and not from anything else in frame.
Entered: 4:40:45
